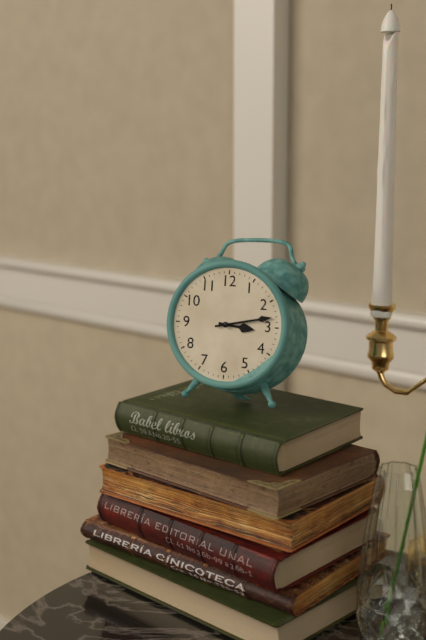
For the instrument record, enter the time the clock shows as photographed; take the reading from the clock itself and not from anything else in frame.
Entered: 3:13
